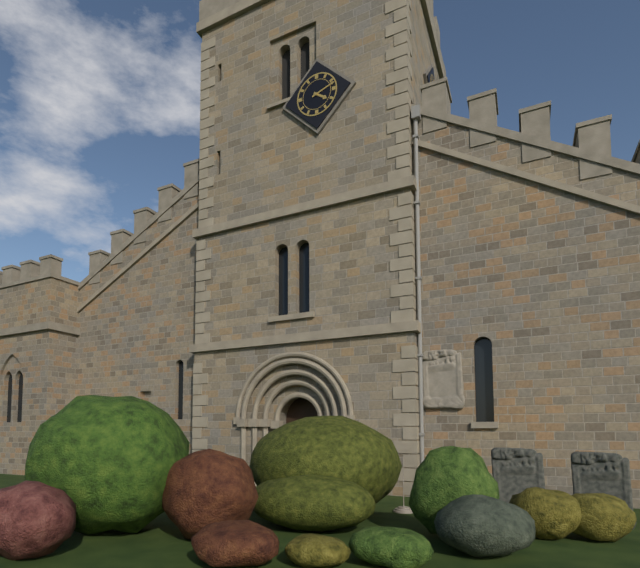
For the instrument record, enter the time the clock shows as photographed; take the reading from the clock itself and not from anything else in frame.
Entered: 4:12
